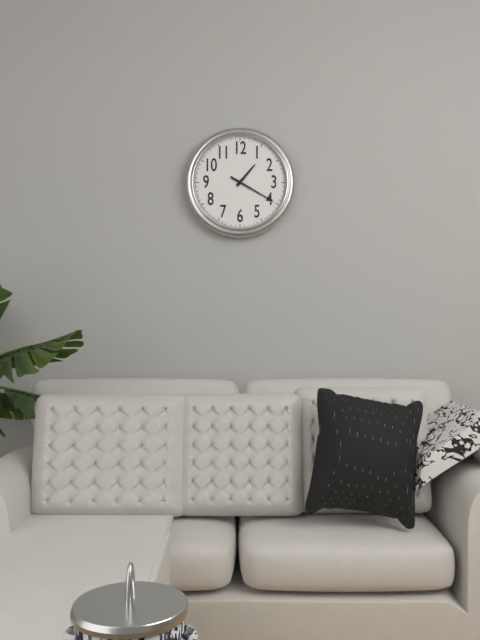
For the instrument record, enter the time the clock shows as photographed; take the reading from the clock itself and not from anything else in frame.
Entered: 1:20
